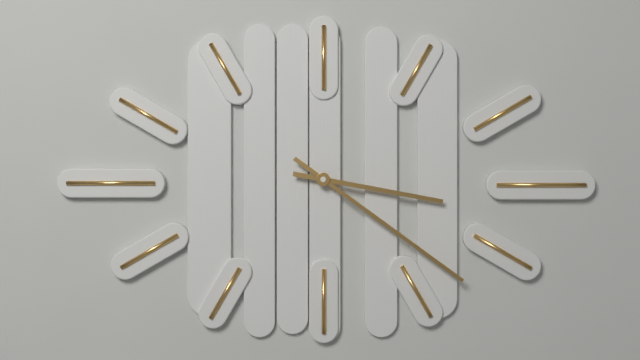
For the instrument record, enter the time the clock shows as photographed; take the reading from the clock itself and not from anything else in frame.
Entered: 3:21
